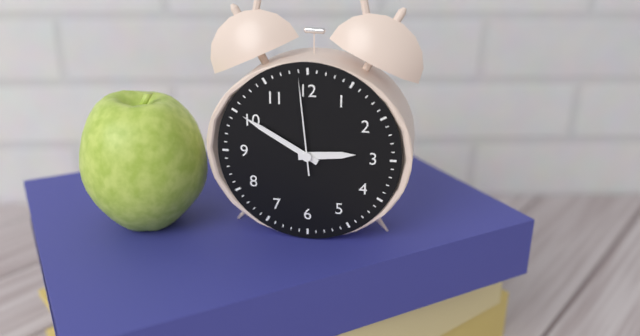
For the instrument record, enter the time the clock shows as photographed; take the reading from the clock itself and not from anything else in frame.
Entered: 2:50:59
